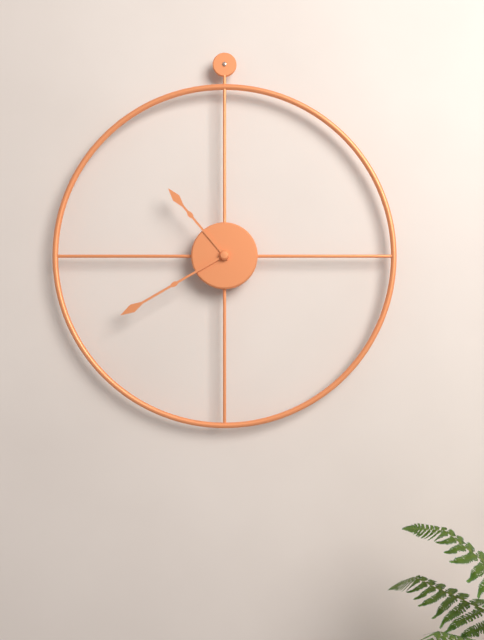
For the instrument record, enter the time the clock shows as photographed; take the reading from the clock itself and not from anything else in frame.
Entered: 10:40
